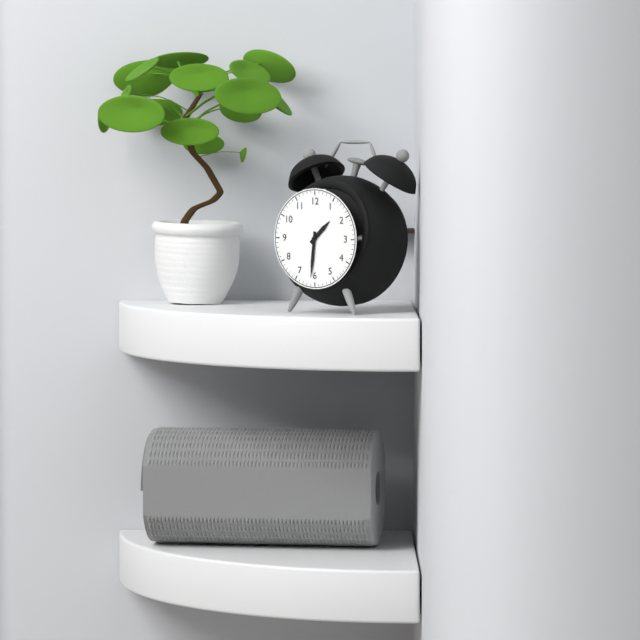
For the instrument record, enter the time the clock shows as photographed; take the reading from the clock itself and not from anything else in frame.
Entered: 1:31
